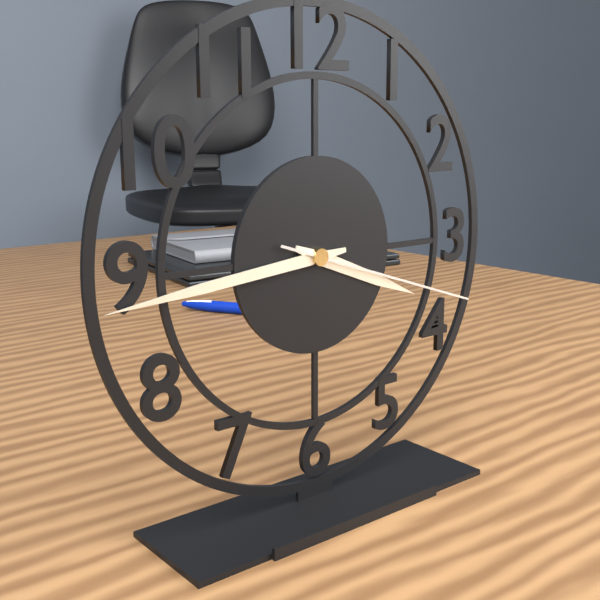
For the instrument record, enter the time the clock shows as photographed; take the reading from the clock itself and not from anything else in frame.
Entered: 3:44:18
